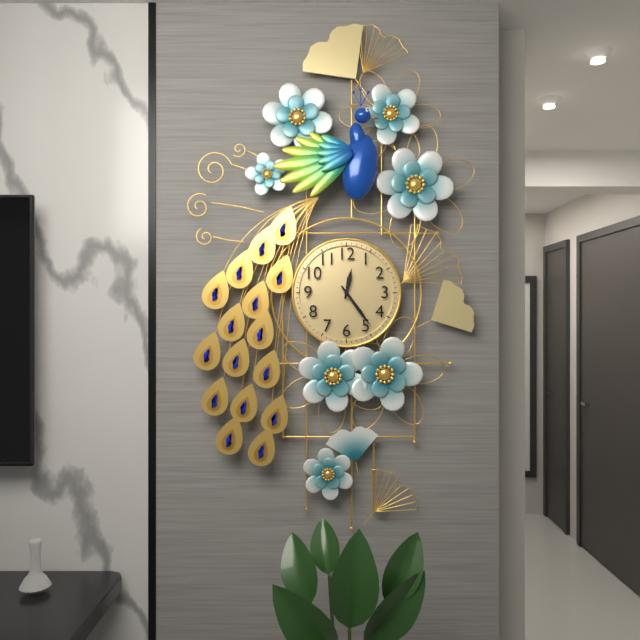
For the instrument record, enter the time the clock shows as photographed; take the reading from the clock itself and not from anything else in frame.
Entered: 12:24
